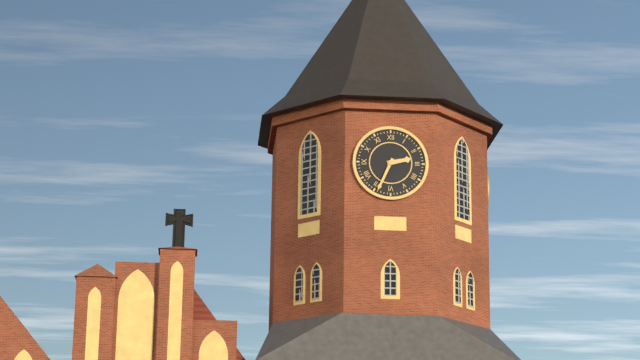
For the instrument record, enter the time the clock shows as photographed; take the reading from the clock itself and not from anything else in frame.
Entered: 2:34
